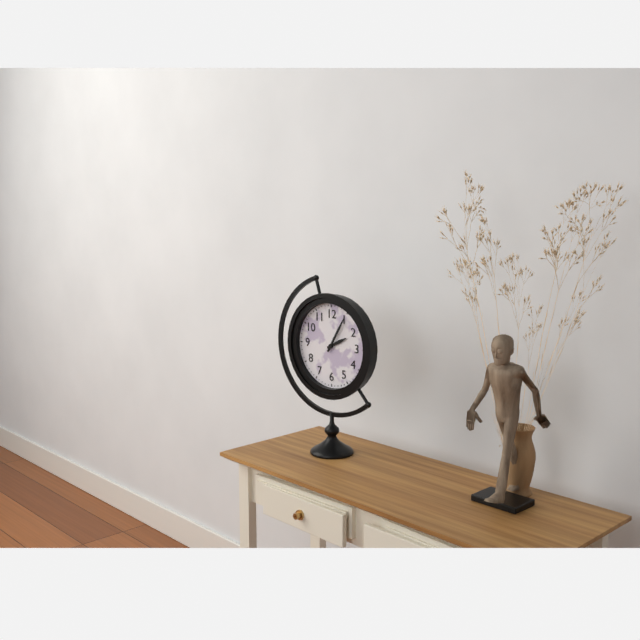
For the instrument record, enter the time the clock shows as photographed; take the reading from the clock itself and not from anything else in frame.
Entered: 2:05
